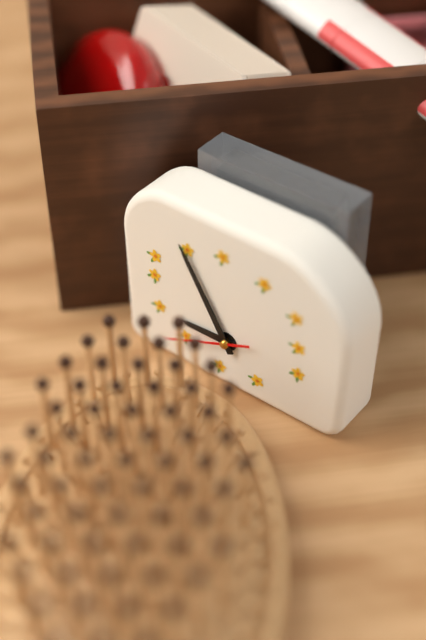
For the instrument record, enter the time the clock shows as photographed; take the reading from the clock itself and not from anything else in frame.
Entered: 8:55
